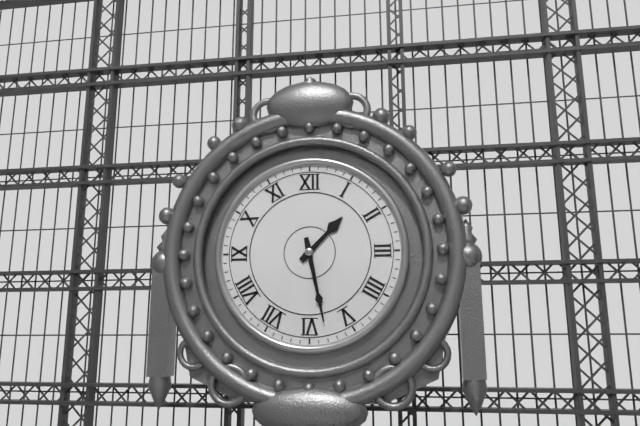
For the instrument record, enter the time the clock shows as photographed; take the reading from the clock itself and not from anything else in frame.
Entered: 1:28
